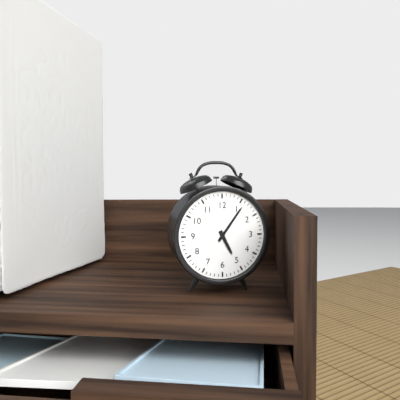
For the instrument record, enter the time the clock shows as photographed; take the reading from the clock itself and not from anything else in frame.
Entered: 5:06
